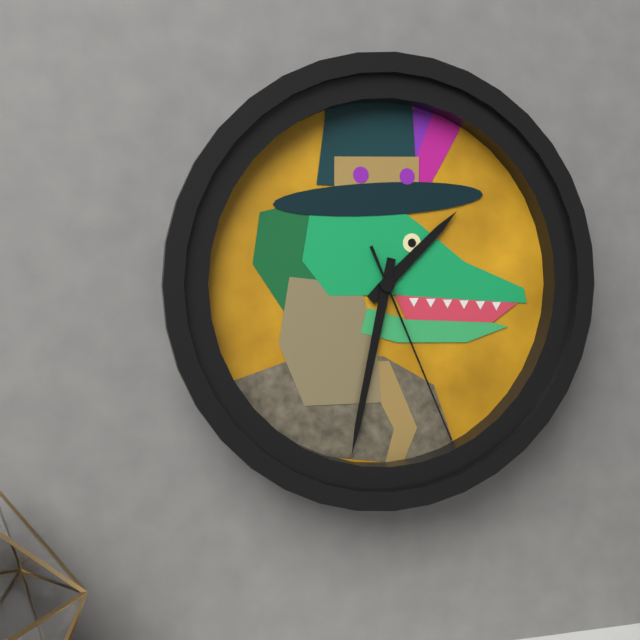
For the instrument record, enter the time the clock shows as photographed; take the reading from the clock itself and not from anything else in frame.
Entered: 1:32:26
